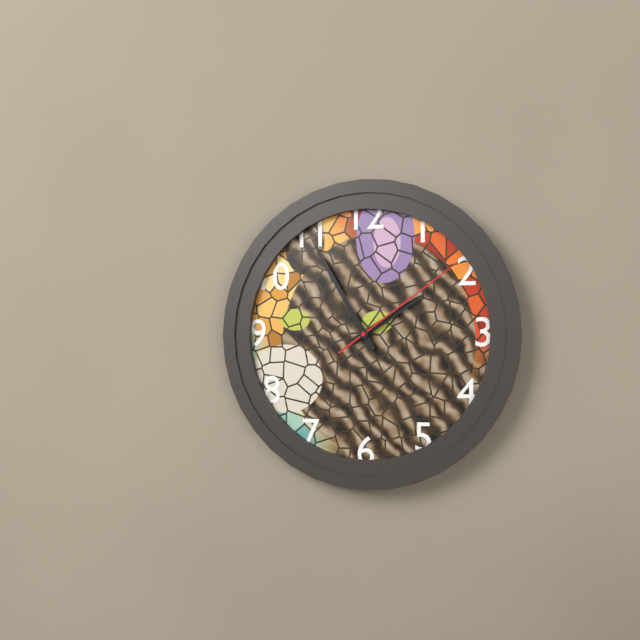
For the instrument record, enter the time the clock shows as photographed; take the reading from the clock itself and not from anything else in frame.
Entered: 1:55:09
